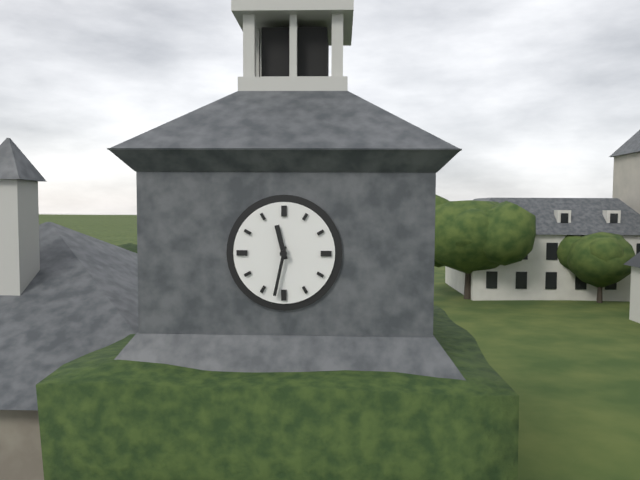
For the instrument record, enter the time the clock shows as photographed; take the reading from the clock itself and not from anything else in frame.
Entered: 11:32
